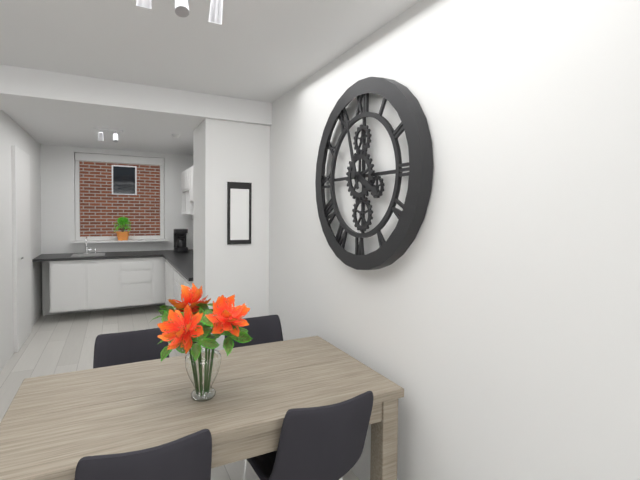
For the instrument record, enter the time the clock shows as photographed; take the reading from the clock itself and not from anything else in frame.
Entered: 3:57
